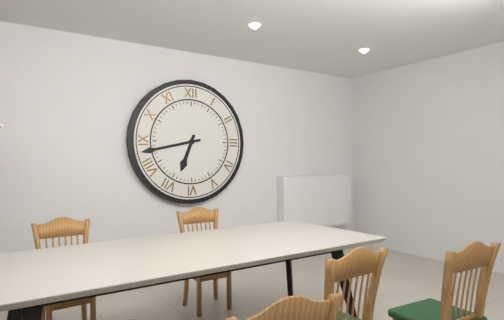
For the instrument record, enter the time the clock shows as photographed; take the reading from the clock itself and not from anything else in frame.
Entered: 6:43
